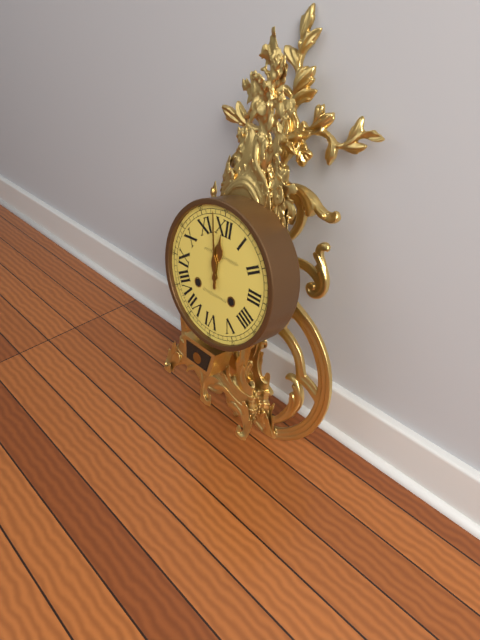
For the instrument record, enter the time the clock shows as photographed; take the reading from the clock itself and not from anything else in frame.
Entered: 11:58
